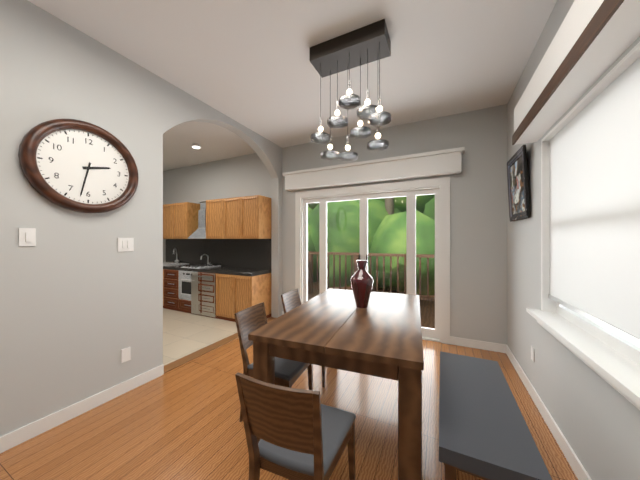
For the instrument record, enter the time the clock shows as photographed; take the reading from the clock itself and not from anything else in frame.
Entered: 2:32
